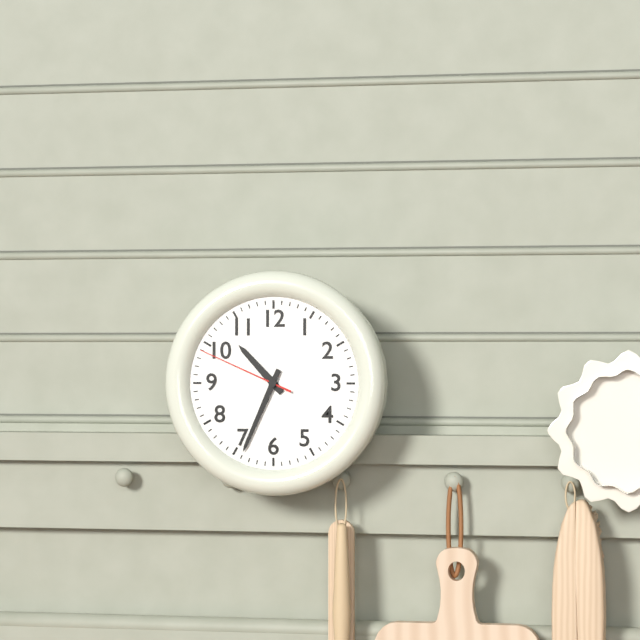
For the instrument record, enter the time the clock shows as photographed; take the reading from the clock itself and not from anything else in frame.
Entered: 10:34:49
